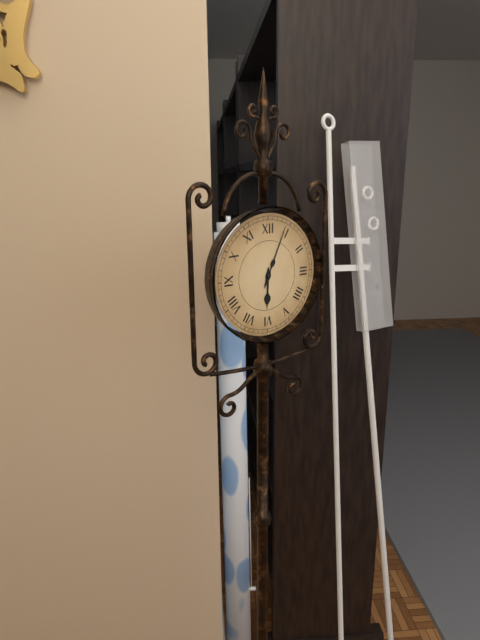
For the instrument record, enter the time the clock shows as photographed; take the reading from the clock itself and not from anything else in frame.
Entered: 6:04
